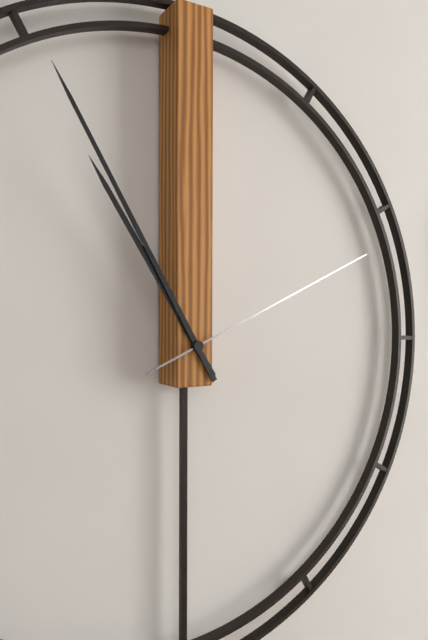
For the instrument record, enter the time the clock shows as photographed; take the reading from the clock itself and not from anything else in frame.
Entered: 10:55:11
